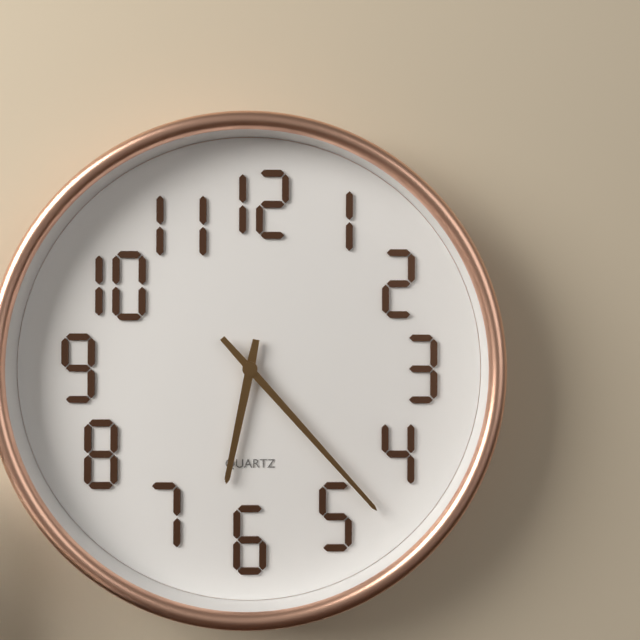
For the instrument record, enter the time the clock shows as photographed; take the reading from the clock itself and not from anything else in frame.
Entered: 6:23
